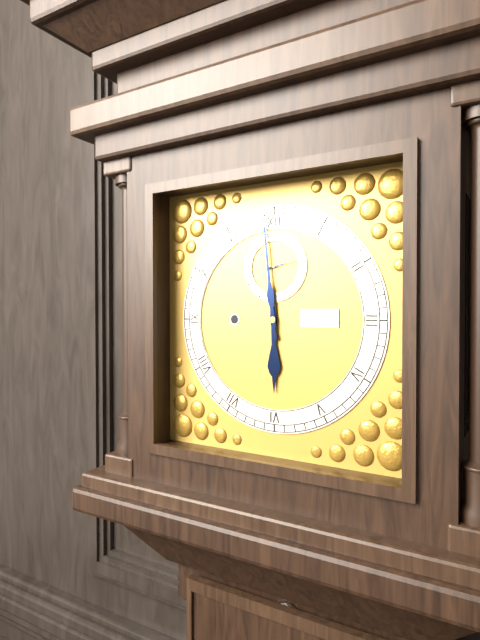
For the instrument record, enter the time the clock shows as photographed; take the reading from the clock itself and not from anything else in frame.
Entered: 5:59
